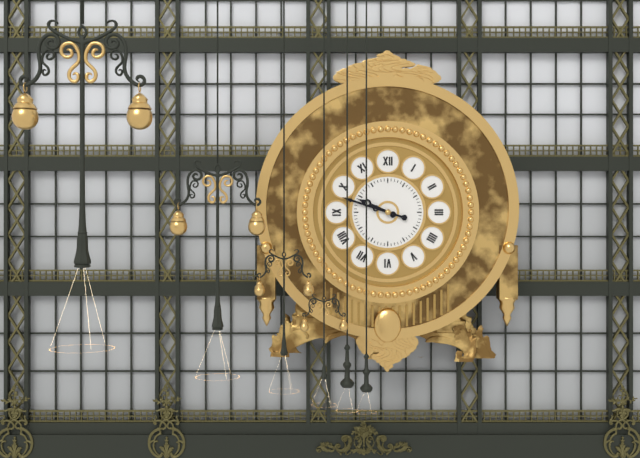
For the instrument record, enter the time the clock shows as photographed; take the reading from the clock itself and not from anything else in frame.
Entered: 9:48
